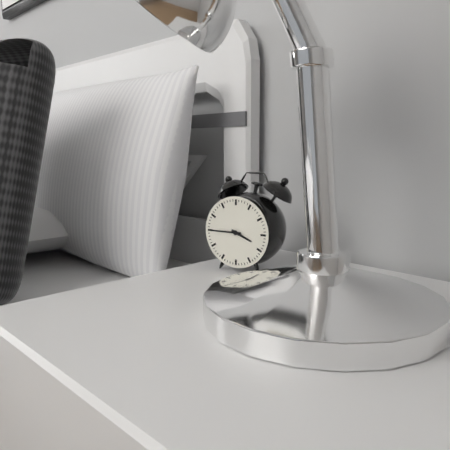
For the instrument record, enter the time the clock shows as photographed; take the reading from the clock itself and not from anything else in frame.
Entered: 3:45
